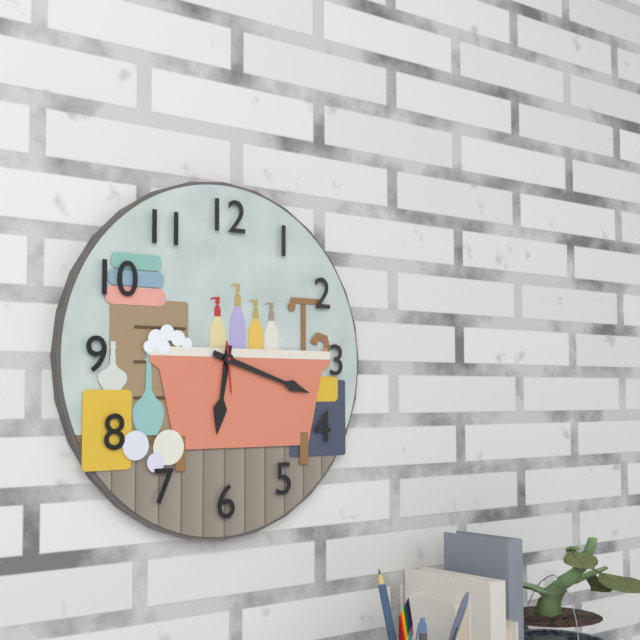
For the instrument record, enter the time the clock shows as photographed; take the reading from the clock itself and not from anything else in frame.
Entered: 6:18
